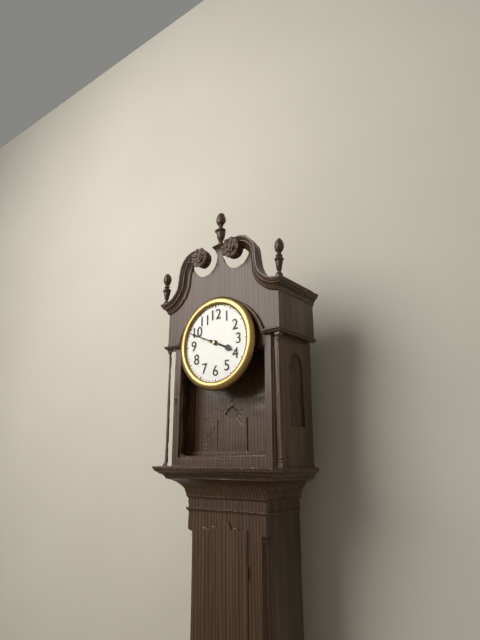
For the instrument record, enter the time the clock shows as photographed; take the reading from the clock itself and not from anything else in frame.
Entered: 3:49
